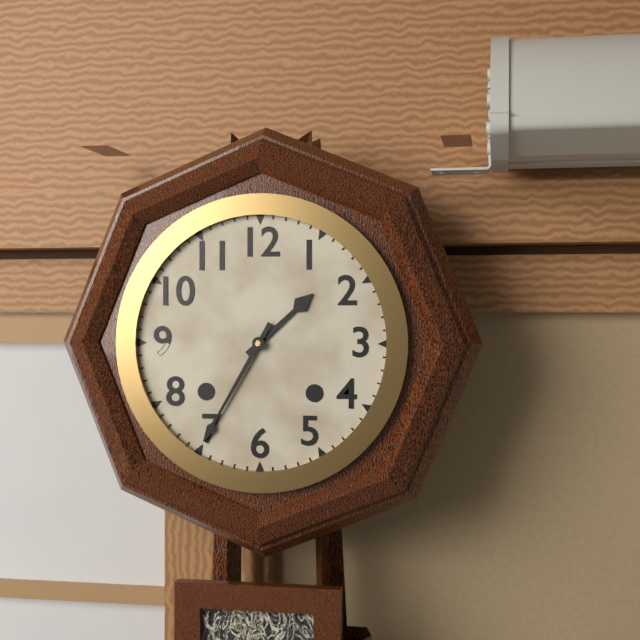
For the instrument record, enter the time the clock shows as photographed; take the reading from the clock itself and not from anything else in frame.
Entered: 1:35
